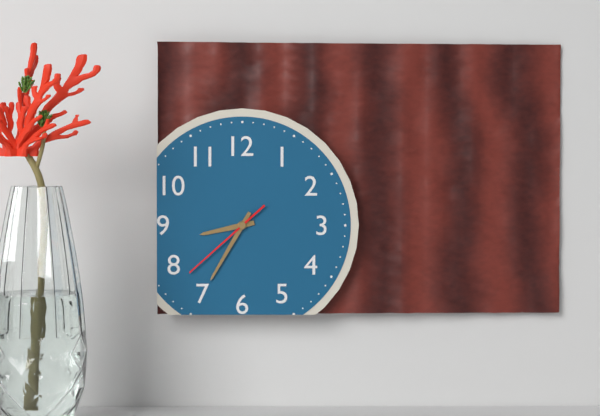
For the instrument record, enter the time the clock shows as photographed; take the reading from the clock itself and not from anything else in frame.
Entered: 8:35:38
